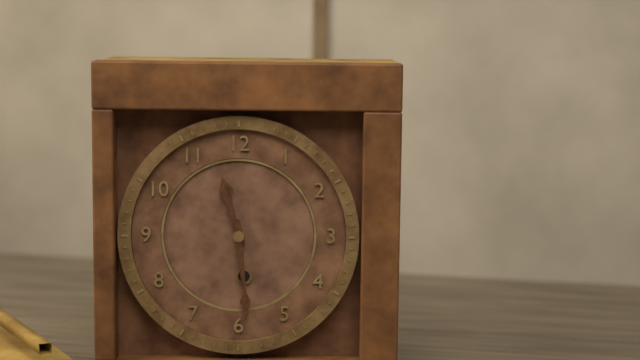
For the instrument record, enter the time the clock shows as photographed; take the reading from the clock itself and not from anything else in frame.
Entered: 11:29
